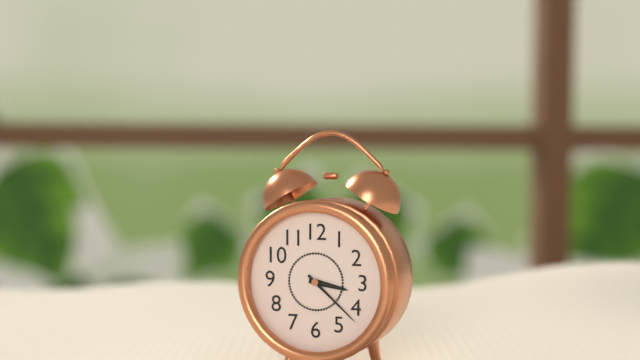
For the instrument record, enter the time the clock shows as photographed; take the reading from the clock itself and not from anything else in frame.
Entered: 3:22
